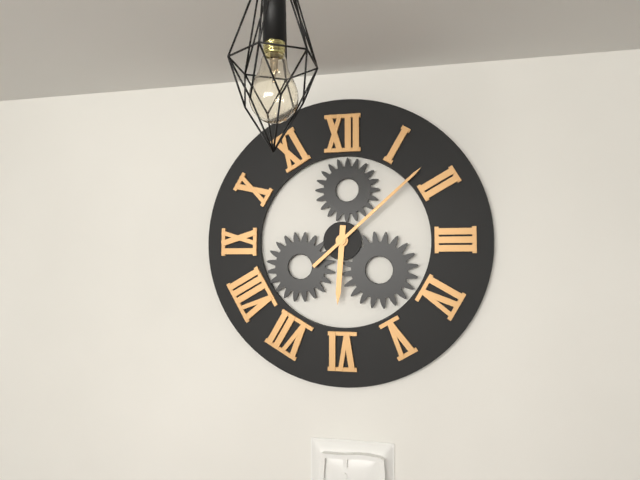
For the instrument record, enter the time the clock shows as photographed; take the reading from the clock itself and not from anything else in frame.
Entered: 6:08
